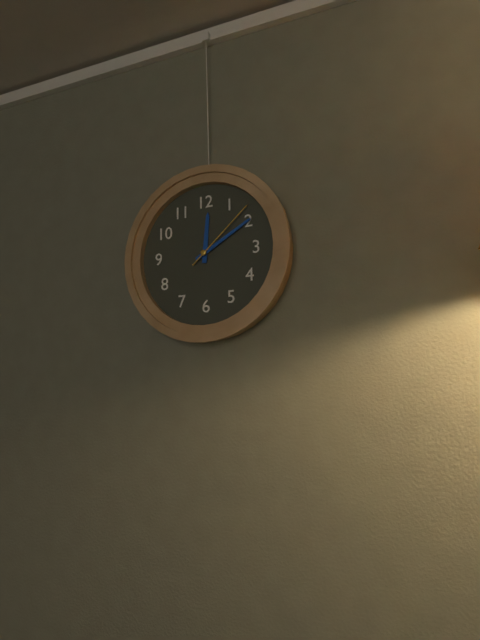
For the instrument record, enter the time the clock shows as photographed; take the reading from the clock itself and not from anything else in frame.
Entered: 12:10:08
